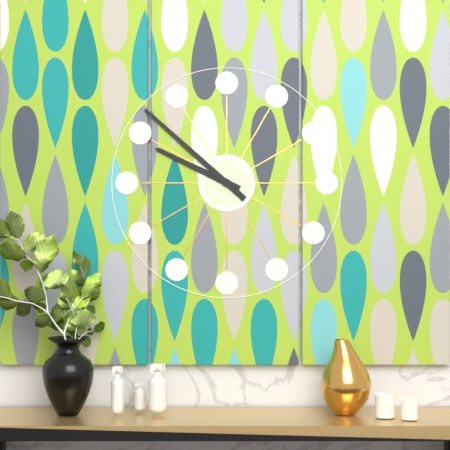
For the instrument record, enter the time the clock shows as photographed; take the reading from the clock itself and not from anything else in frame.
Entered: 9:52
